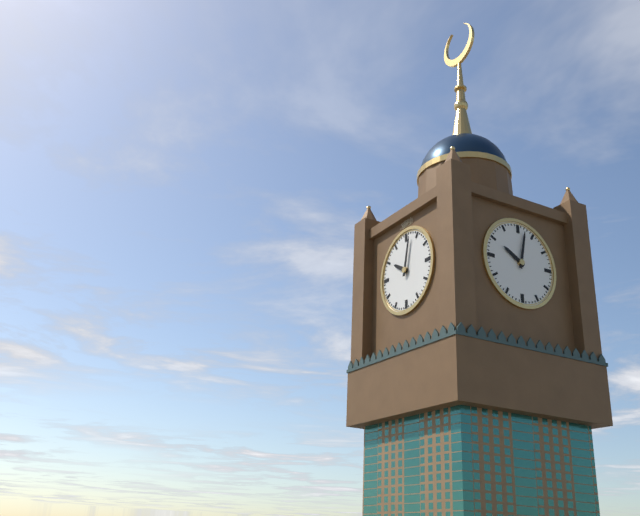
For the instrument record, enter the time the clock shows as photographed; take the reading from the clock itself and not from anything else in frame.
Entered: 10:02
